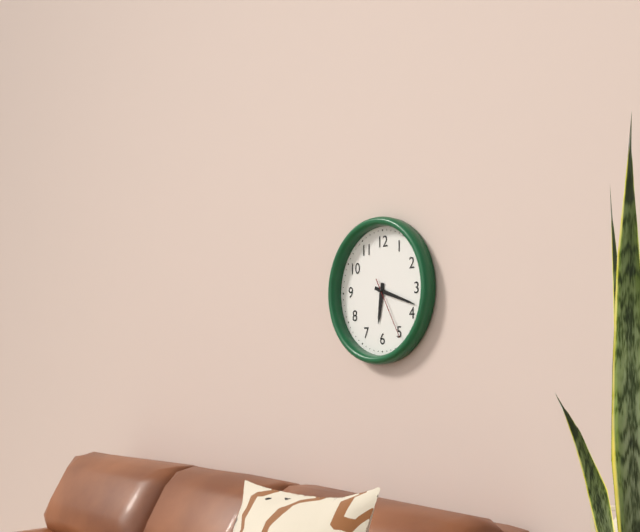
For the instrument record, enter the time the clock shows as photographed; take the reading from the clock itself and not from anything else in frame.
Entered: 6:18:25
